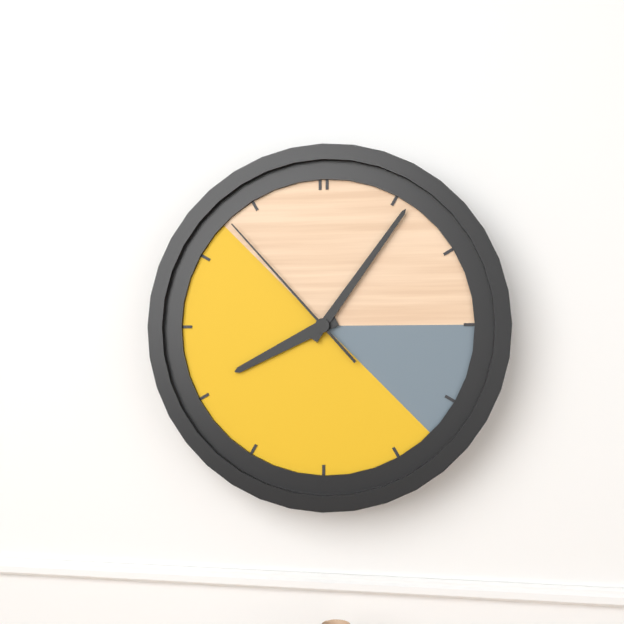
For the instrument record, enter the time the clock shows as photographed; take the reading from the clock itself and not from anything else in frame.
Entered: 8:06:53
